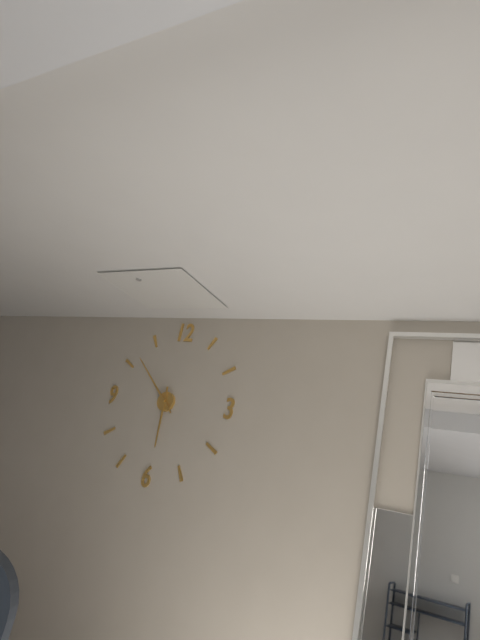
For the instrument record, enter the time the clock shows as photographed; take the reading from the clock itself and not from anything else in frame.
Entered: 5:52
